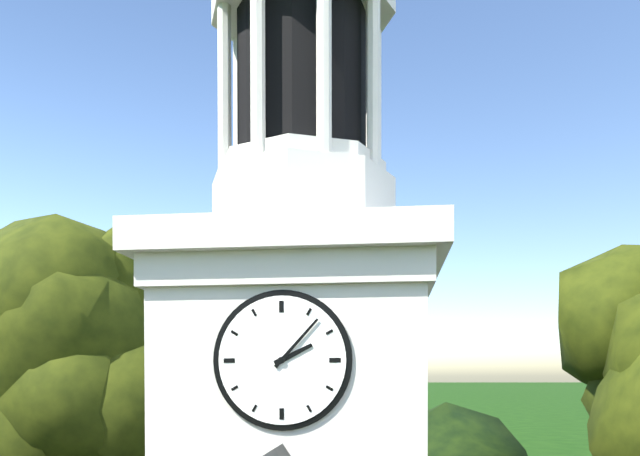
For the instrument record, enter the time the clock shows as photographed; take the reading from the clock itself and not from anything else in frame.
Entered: 2:07
